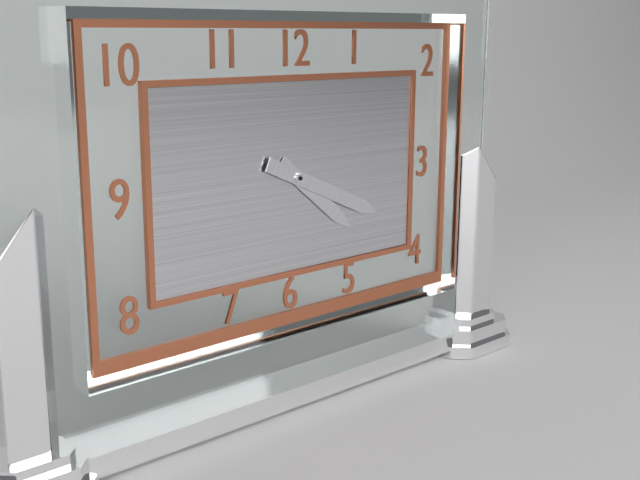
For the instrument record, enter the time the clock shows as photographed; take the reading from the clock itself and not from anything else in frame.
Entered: 4:19
